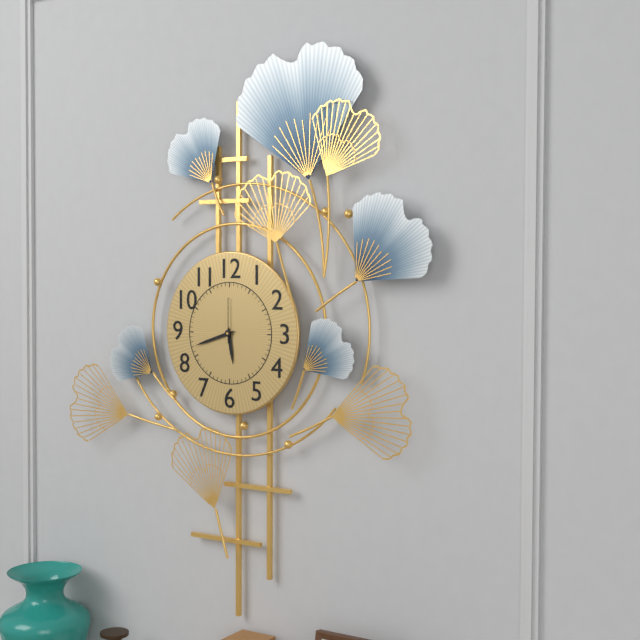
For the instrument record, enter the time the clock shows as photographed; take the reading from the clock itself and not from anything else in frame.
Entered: 5:42
